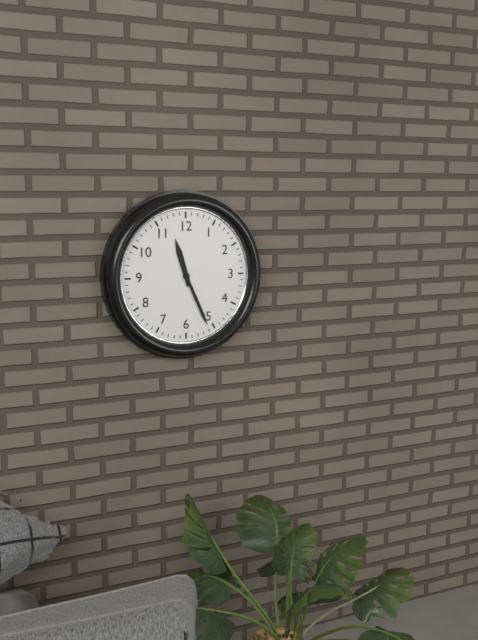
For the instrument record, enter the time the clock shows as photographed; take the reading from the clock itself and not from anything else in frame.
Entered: 11:26
